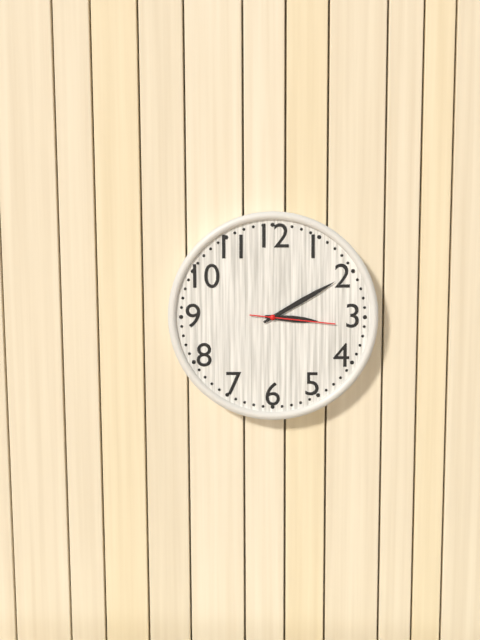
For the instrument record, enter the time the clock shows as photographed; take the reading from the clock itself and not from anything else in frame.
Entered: 3:10:16
